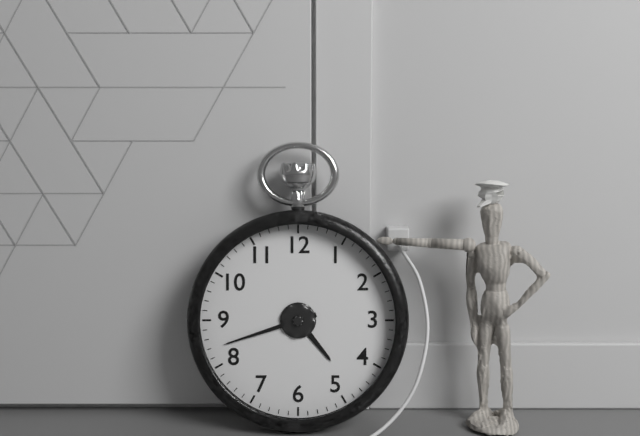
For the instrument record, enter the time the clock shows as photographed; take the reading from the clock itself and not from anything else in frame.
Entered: 4:42
